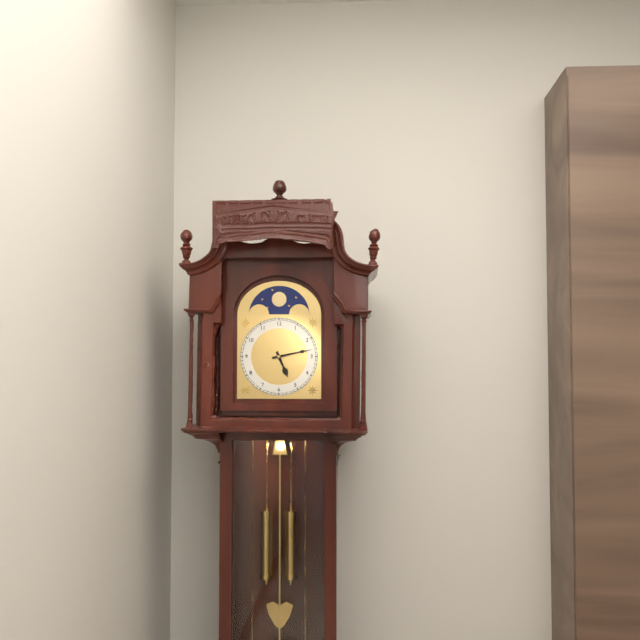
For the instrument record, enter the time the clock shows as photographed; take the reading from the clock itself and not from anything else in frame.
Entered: 5:13
